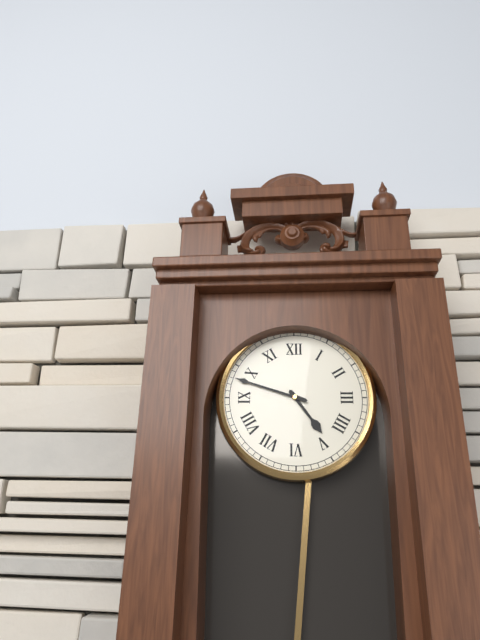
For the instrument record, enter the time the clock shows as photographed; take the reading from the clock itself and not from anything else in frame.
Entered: 4:48
